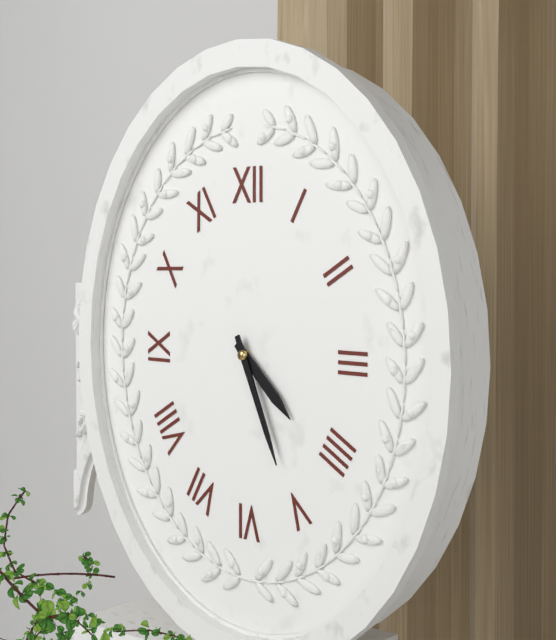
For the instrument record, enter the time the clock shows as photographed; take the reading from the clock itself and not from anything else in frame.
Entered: 4:26
